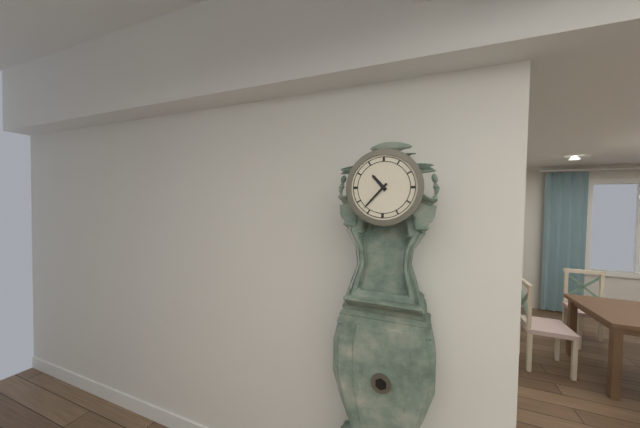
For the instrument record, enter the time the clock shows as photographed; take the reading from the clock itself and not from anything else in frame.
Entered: 10:37
